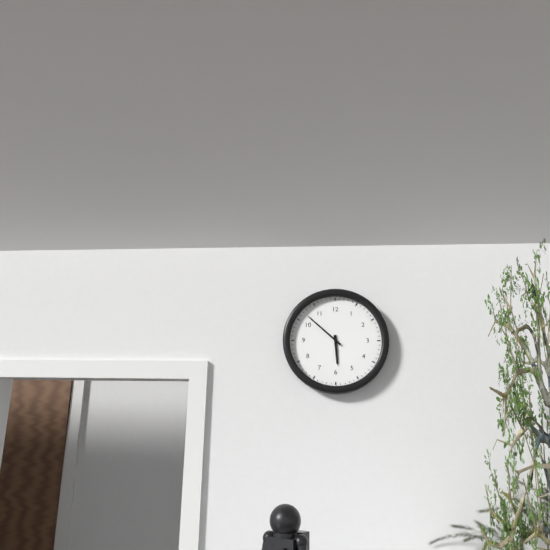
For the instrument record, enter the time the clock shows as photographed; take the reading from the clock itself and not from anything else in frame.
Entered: 5:52
